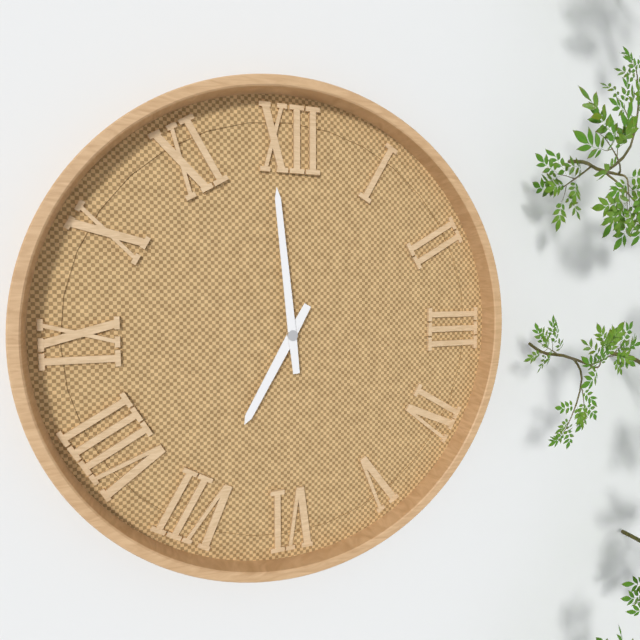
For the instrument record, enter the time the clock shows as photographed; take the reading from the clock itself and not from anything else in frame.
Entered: 6:59
